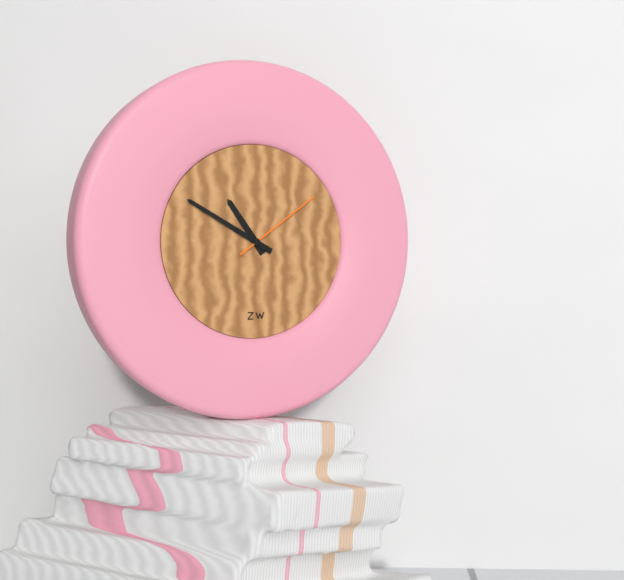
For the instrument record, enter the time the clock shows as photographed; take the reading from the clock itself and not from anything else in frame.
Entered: 10:50:09
